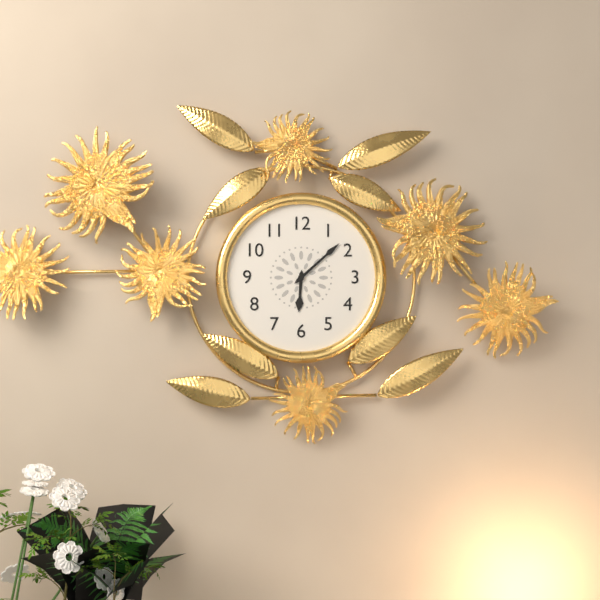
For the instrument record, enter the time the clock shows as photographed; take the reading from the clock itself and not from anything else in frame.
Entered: 6:08
